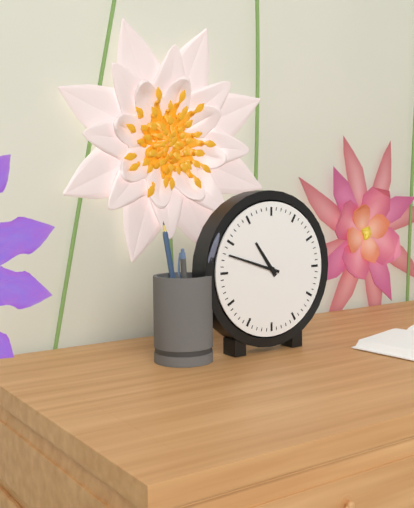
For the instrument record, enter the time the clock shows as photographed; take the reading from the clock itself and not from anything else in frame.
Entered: 10:48
